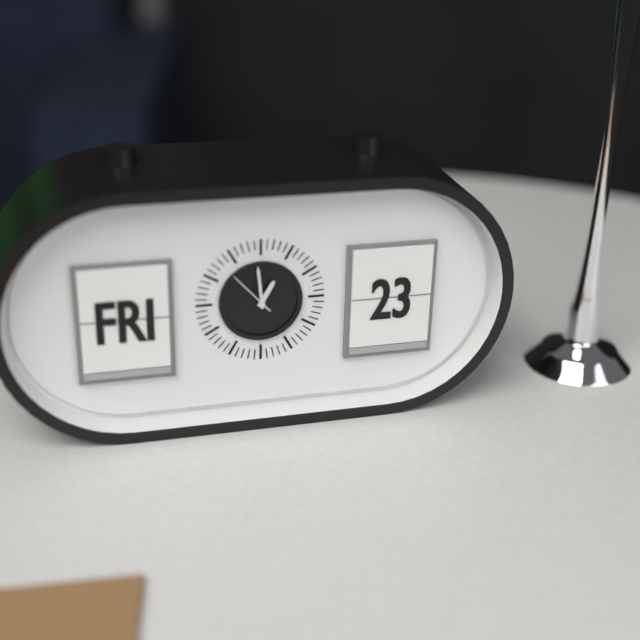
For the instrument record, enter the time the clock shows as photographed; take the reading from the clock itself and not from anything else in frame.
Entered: 12:59
